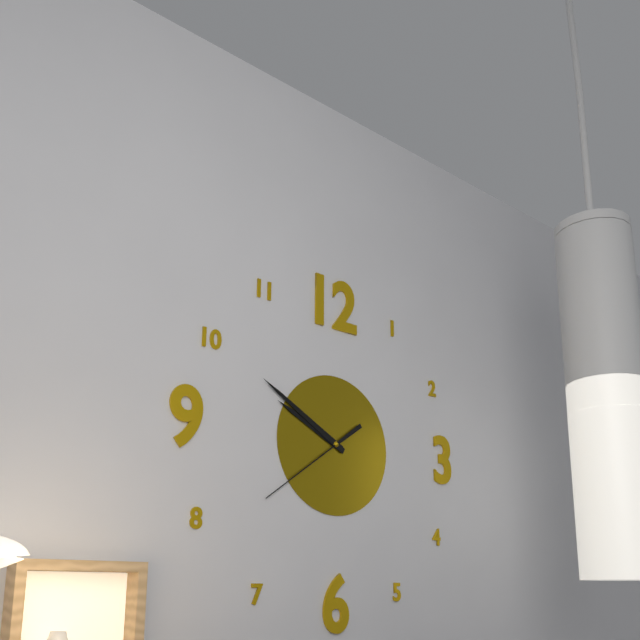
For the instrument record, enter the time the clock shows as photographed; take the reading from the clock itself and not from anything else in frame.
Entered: 9:50:39
